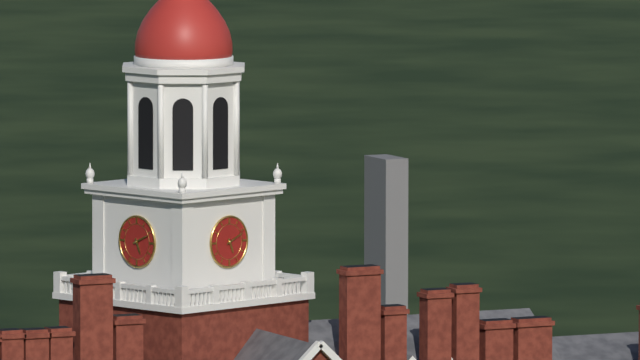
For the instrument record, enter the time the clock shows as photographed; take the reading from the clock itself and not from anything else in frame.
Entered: 5:11
